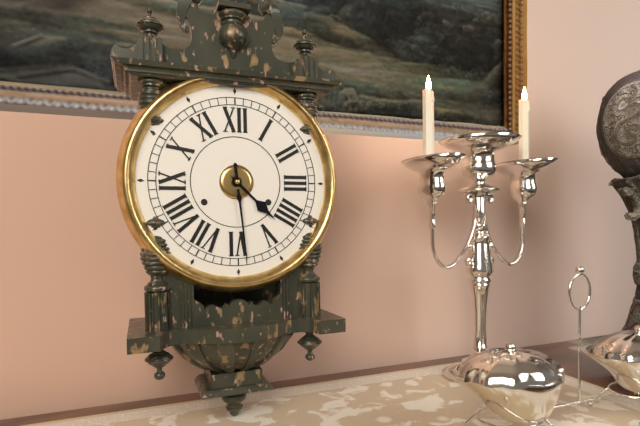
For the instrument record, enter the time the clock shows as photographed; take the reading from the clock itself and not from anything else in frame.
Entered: 4:29
